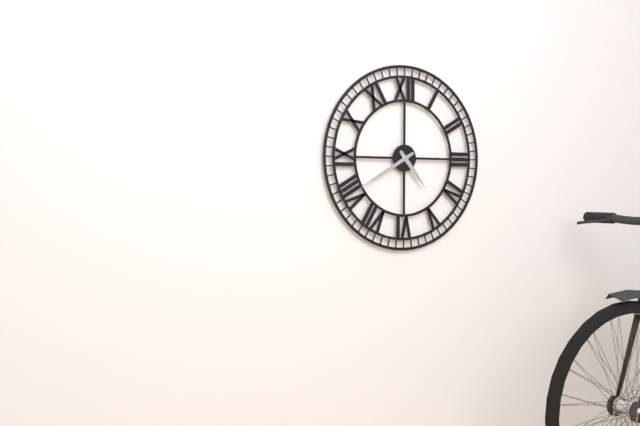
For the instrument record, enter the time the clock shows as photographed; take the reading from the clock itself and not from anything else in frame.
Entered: 4:40
